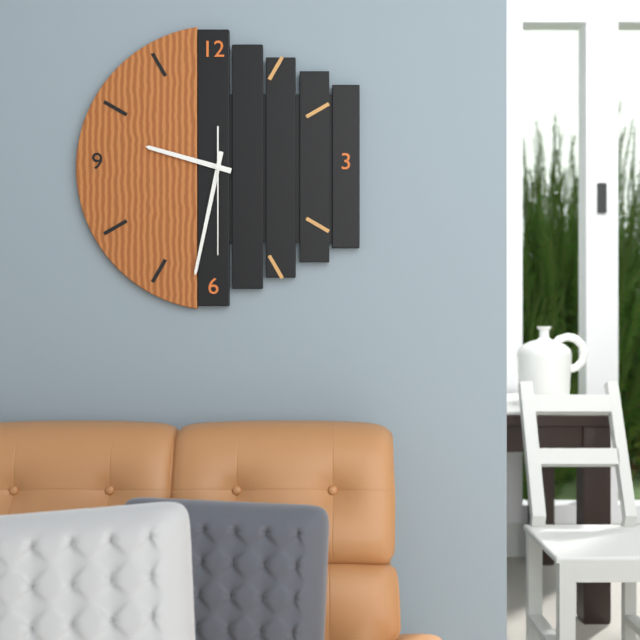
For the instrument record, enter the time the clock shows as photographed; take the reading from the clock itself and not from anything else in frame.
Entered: 9:32:30
